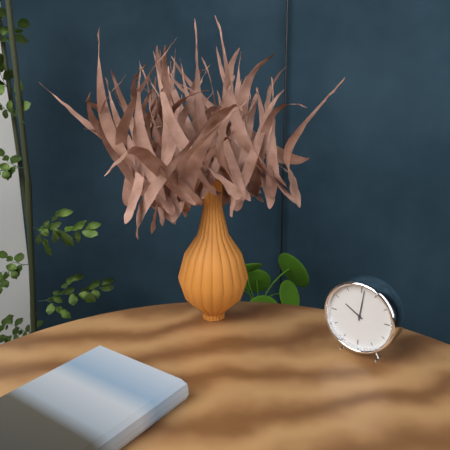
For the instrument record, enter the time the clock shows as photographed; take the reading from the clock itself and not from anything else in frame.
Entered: 10:01
